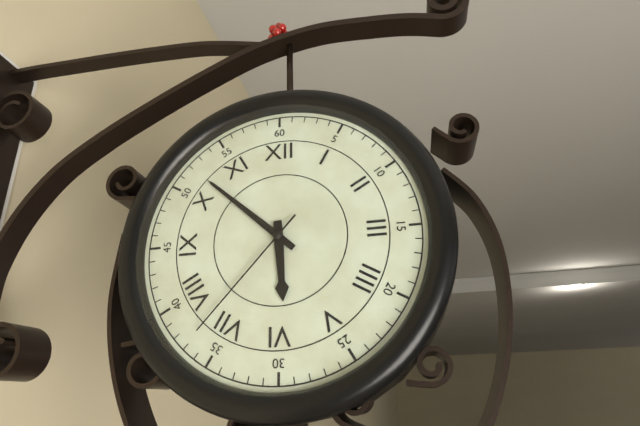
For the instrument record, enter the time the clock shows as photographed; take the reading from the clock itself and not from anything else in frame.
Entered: 5:52:37
